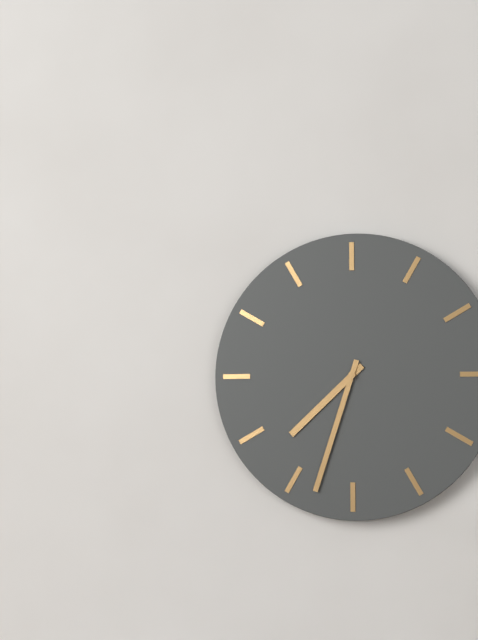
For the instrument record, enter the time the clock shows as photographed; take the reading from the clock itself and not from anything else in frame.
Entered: 7:33
